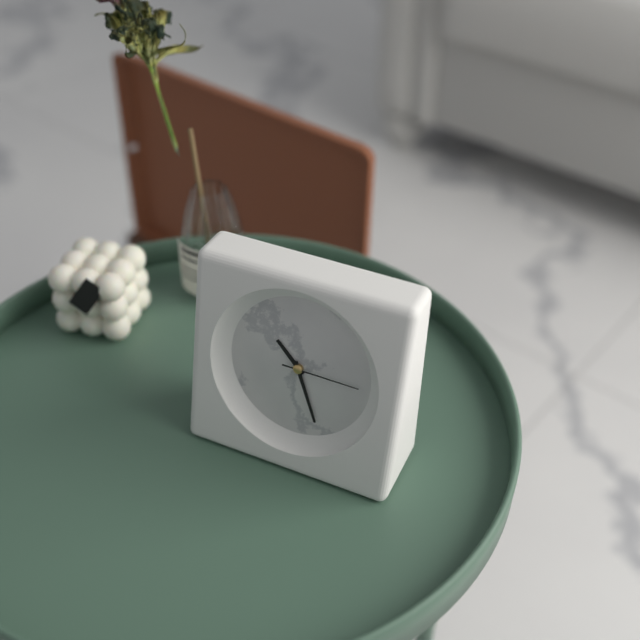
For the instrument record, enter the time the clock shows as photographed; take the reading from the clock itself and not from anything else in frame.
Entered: 10:26:15
